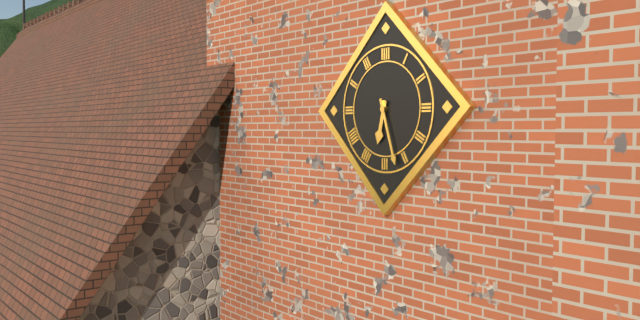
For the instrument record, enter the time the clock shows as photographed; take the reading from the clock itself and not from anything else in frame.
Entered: 6:27
